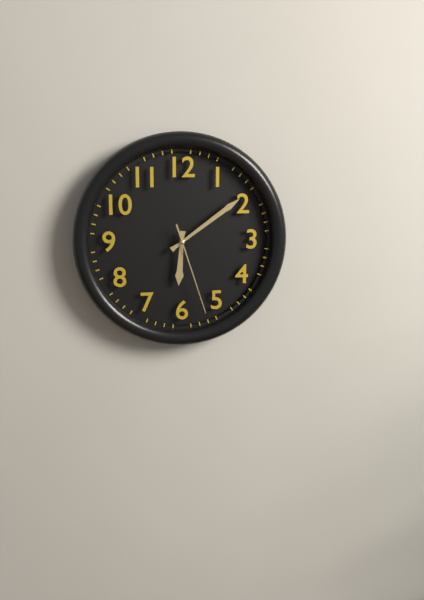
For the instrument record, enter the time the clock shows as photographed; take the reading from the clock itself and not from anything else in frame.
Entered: 6:09:27
